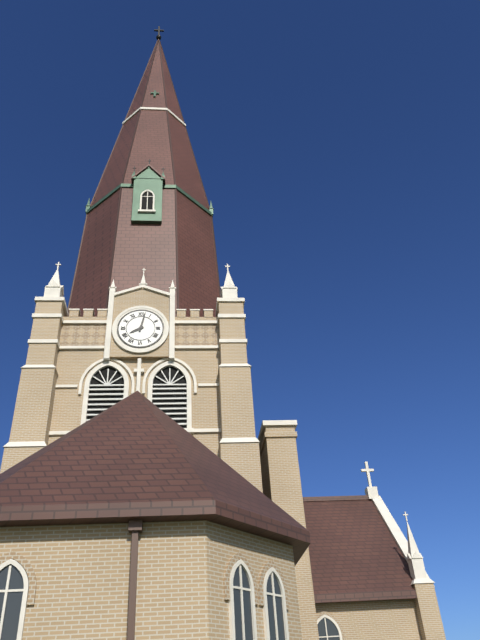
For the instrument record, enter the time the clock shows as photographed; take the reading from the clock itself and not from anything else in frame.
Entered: 8:02
